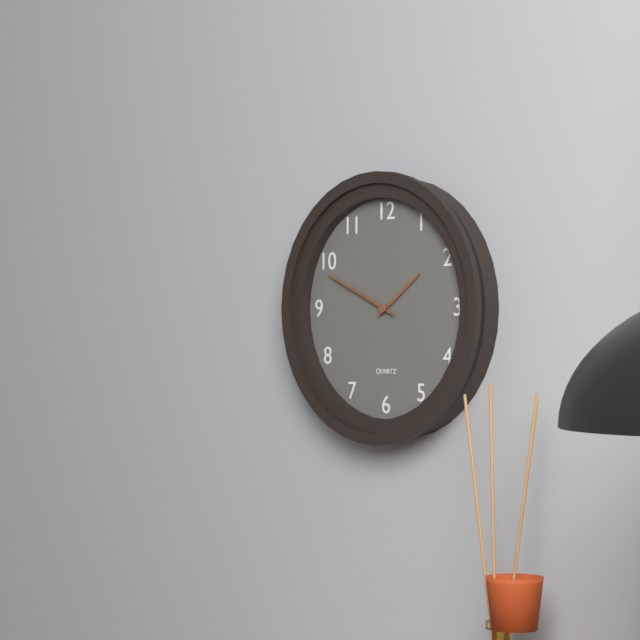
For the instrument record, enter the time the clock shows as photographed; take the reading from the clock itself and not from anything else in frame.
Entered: 1:49:49
